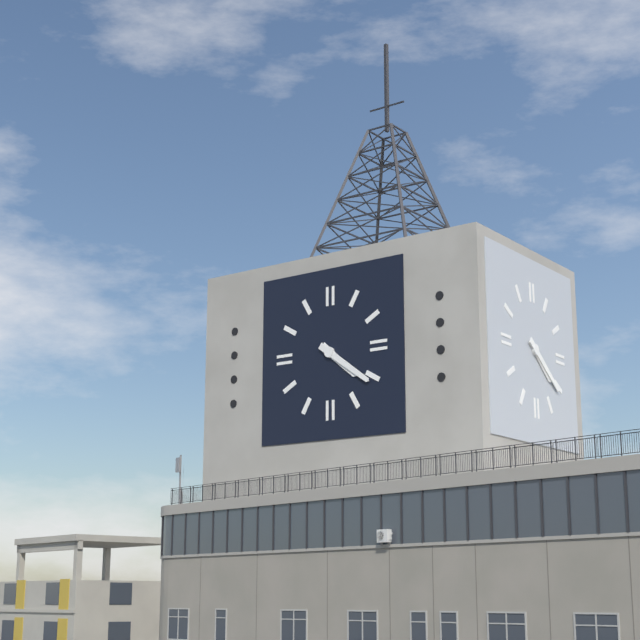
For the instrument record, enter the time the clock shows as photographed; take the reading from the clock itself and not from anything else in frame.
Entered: 4:21
